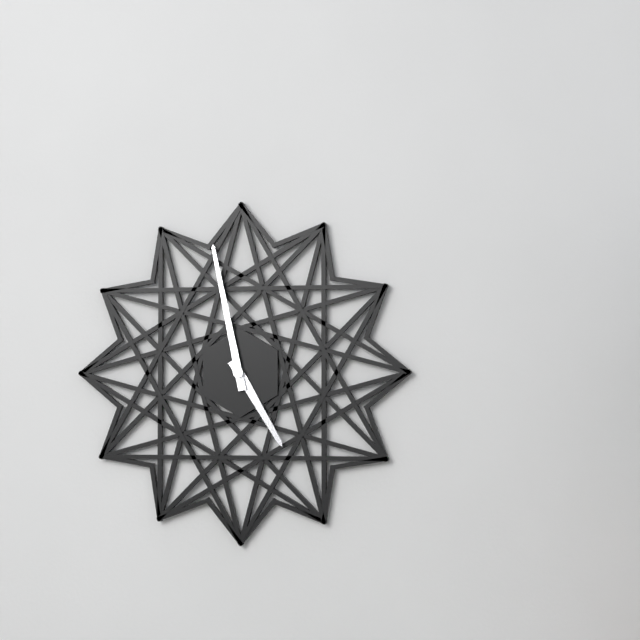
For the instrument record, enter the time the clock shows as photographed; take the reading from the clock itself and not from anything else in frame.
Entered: 4:58
